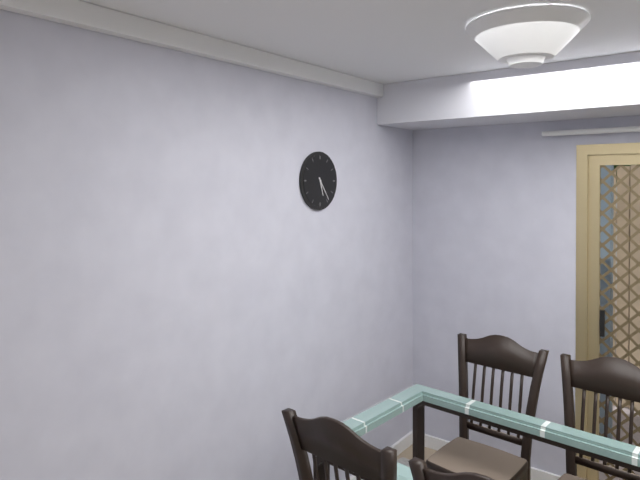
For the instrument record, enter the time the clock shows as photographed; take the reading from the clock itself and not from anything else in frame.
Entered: 5:24
